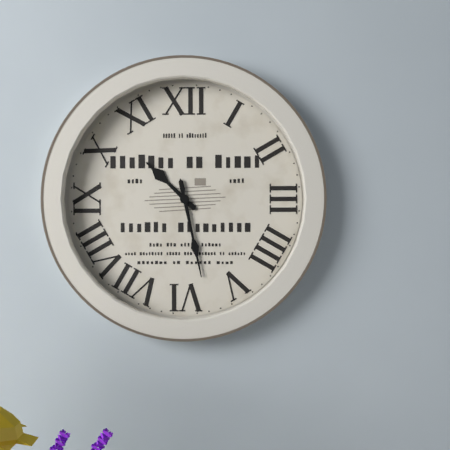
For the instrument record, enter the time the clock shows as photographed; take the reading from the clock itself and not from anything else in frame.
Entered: 10:28
